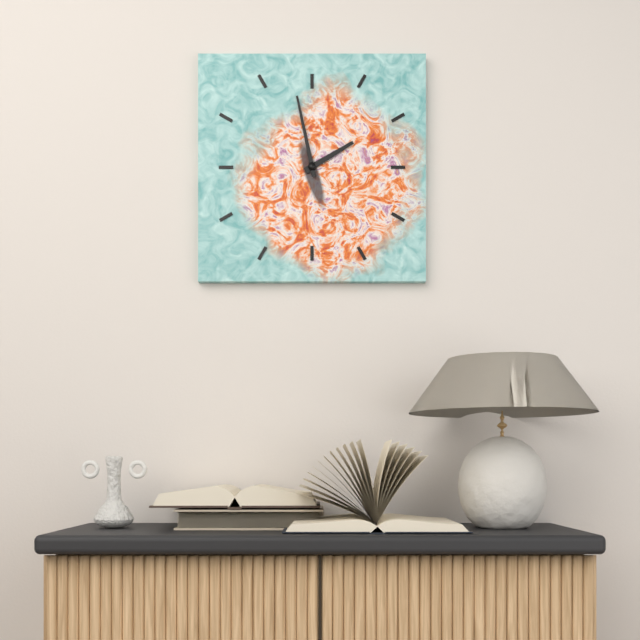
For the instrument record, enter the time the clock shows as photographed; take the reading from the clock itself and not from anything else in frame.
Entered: 1:58
